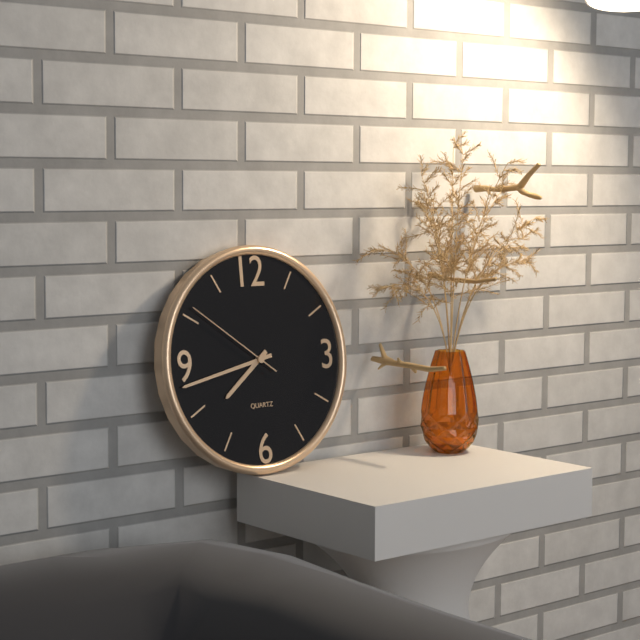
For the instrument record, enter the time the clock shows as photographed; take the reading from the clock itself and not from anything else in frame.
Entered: 7:43:51
